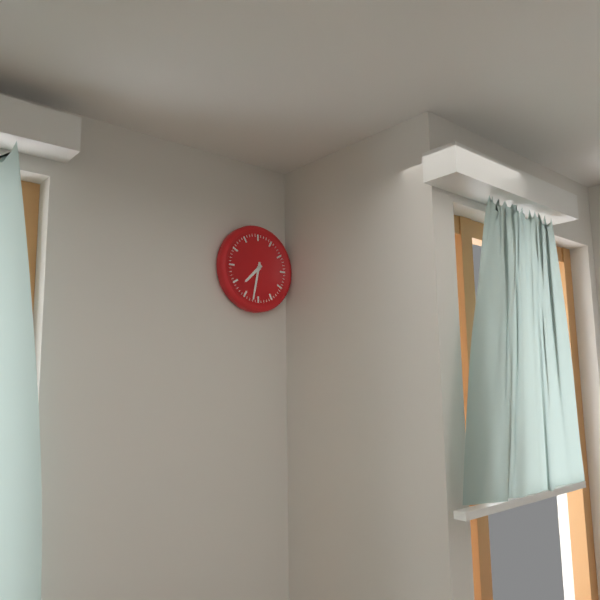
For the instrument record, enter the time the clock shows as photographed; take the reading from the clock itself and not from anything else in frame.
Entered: 7:32
